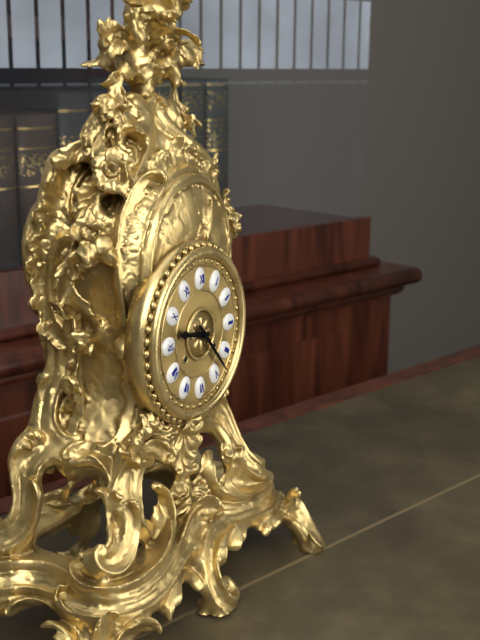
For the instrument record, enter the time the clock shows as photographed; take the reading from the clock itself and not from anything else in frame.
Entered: 9:23
